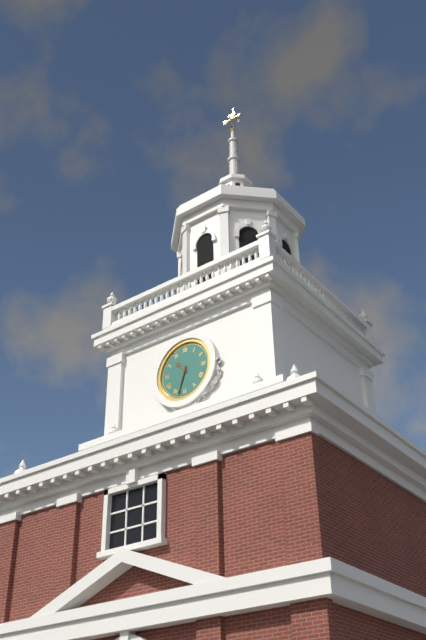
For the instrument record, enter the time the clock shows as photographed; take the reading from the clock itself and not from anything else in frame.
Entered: 10:33
